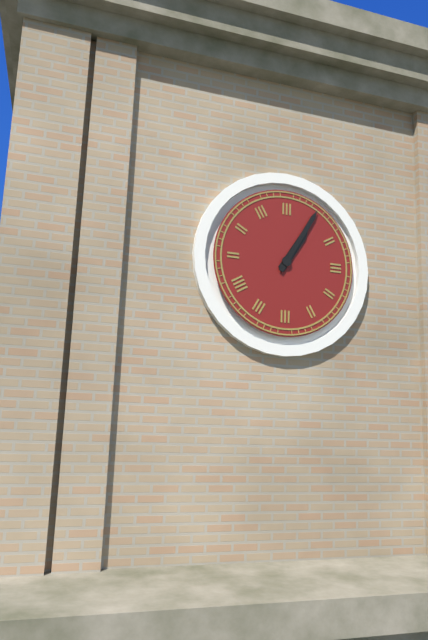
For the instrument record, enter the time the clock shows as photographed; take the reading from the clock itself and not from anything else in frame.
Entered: 1:05
